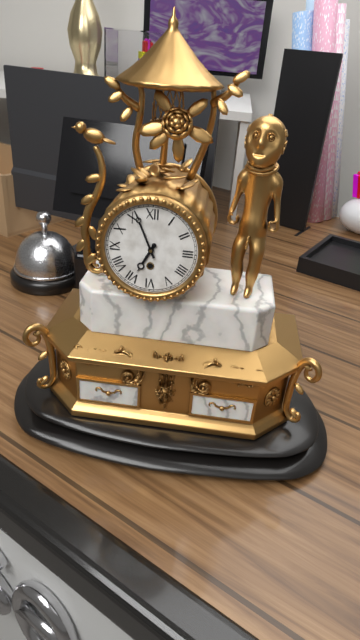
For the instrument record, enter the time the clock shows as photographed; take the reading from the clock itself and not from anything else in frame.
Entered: 6:56
